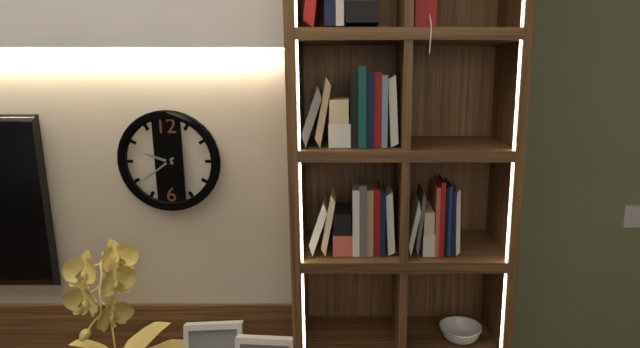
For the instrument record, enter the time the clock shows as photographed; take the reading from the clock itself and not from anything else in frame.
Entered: 9:39
